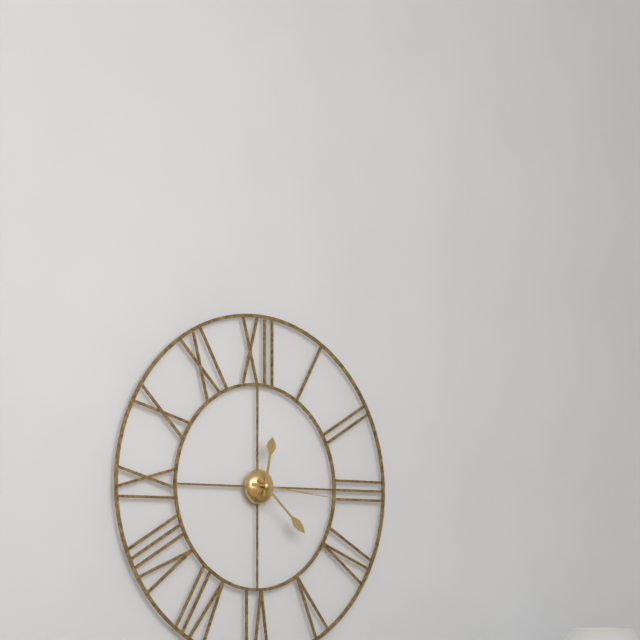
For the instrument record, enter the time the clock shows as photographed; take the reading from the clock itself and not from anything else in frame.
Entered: 12:22:16
